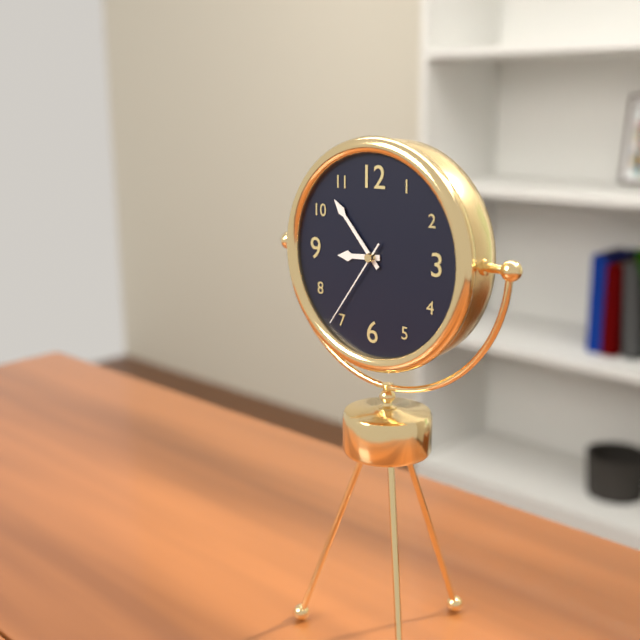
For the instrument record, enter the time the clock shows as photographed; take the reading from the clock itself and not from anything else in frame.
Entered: 8:53:36
